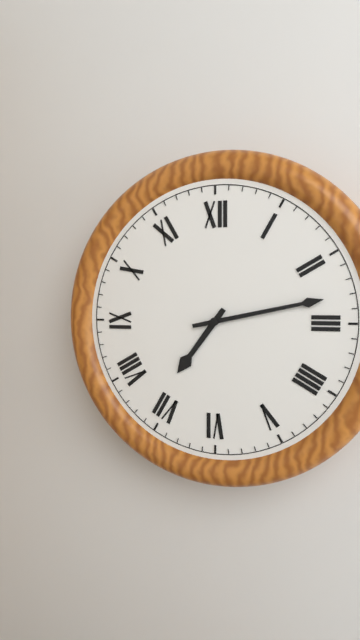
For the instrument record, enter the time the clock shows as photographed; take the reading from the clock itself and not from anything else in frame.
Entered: 7:13
